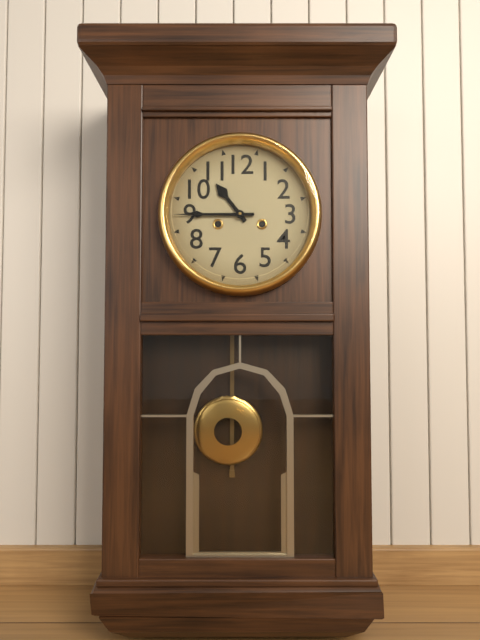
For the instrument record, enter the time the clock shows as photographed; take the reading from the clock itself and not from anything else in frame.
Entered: 10:45
